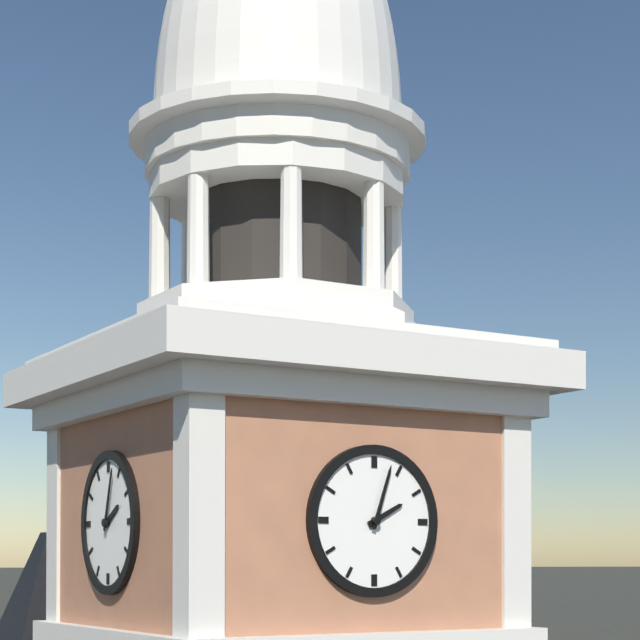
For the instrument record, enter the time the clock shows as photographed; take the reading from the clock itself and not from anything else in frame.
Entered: 2:03
